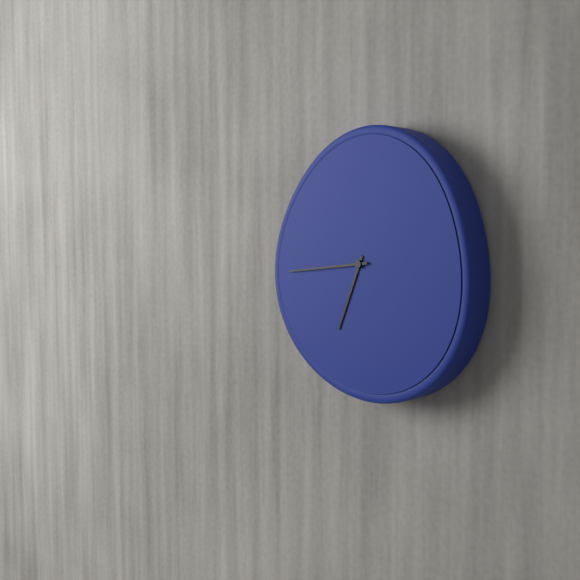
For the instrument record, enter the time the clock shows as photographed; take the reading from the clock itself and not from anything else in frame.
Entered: 6:44
